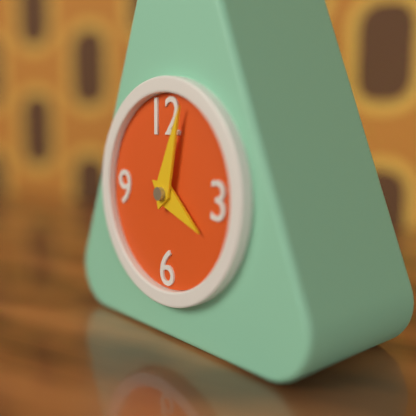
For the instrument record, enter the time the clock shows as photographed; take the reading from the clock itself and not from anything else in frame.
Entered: 4:03
